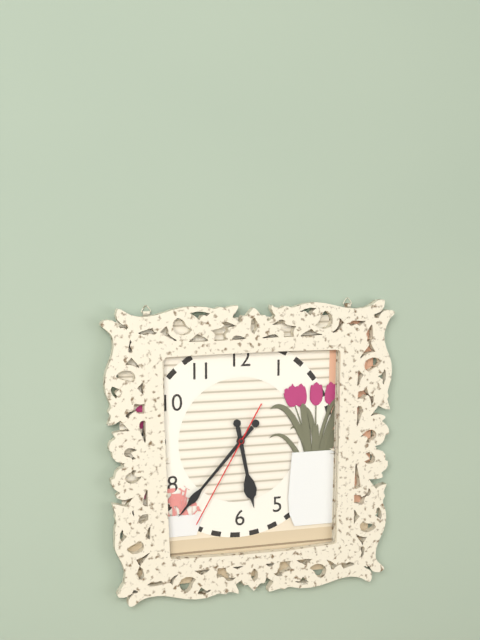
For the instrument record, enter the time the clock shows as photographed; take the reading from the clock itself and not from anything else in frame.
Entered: 5:37:35
